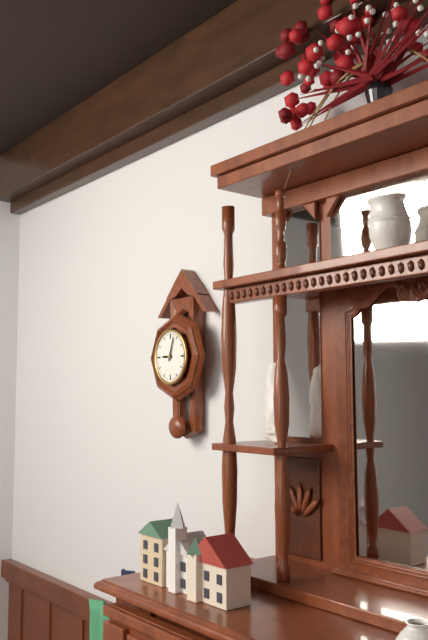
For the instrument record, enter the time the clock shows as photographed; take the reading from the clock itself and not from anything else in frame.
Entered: 9:03
